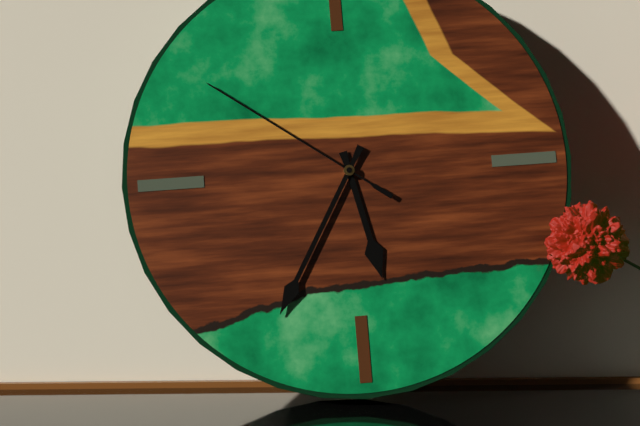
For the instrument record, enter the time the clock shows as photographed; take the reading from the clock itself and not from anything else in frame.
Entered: 5:35:51
